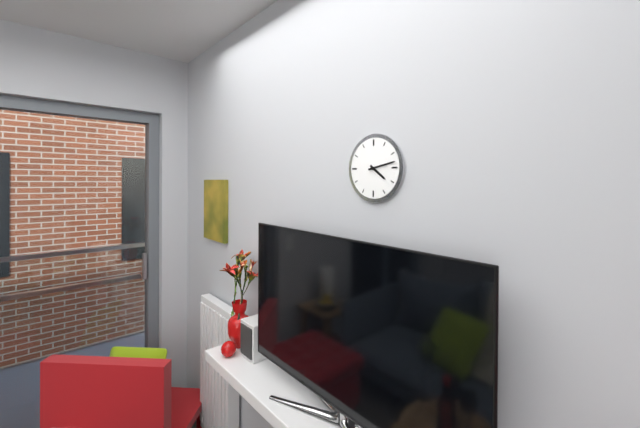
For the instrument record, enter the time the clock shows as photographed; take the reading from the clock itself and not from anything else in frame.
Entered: 4:13
